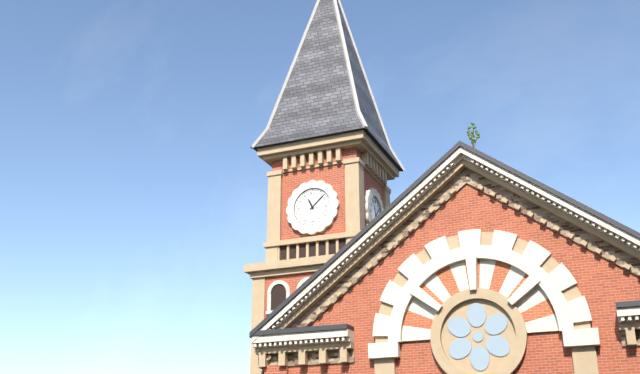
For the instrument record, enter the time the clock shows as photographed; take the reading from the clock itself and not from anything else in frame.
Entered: 11:08
